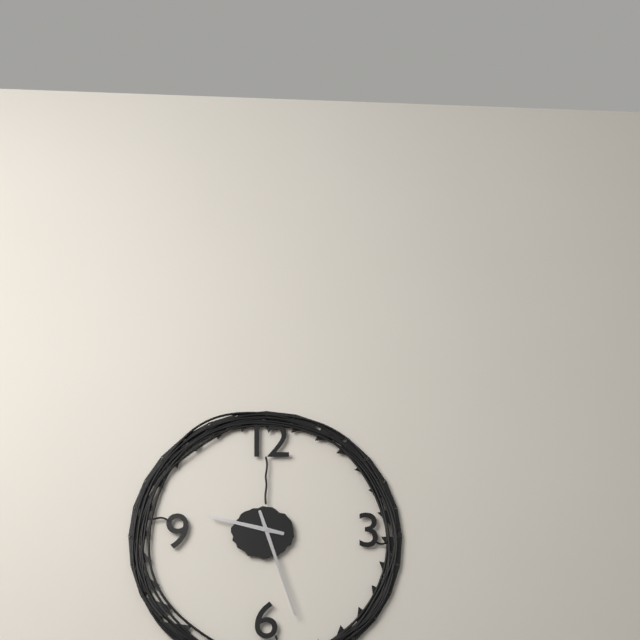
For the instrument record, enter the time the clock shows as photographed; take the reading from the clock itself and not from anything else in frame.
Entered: 9:27
